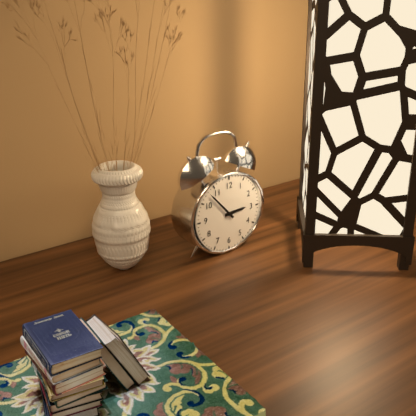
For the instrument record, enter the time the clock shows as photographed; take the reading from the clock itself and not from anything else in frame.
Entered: 2:53
